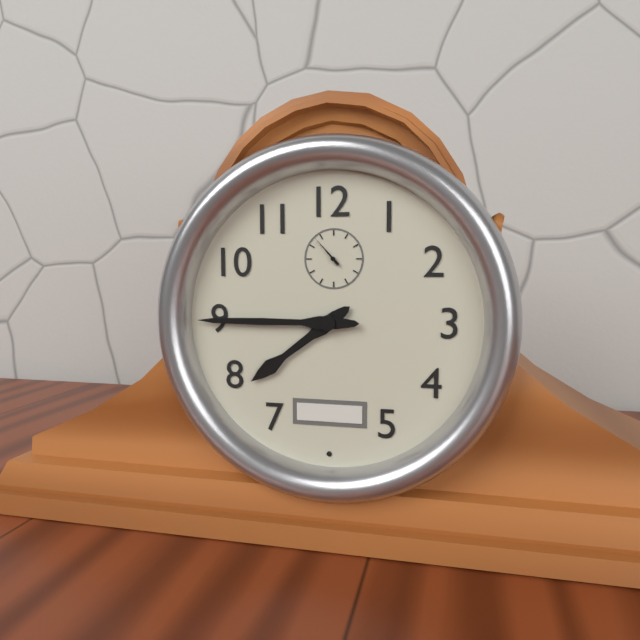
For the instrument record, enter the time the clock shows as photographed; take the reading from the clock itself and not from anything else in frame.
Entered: 7:45
